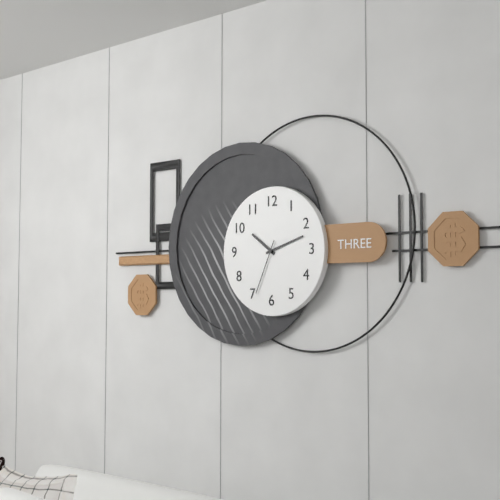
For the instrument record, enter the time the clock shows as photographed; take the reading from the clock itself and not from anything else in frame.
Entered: 10:12:34
